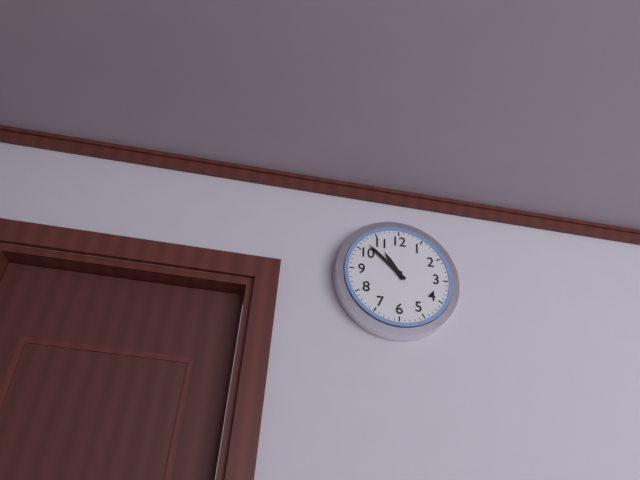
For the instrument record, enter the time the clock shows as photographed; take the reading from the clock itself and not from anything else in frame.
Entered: 10:52
